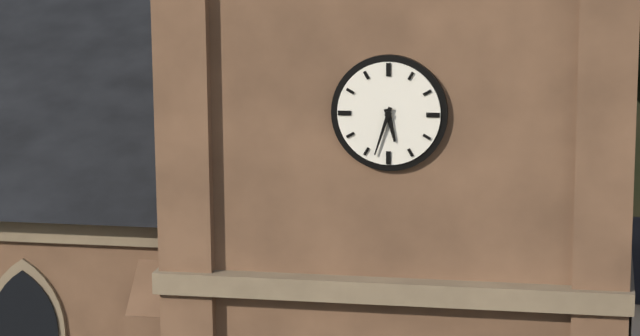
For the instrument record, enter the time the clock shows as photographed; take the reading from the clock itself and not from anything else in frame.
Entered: 5:33
